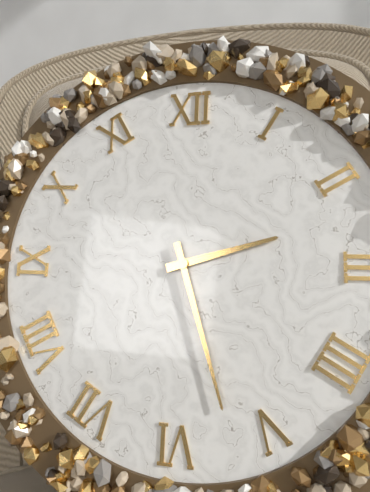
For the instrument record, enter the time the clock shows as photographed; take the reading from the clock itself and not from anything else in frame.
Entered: 2:27
